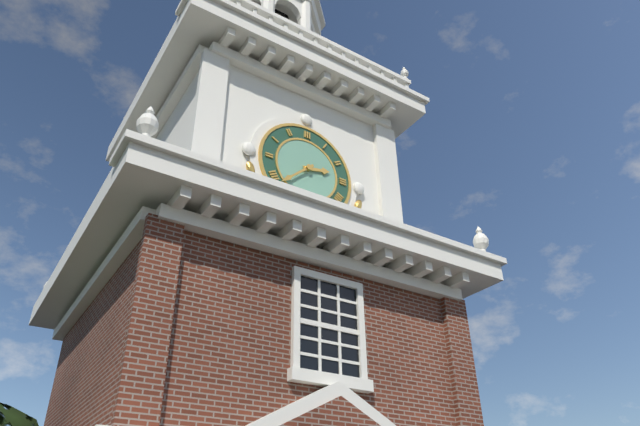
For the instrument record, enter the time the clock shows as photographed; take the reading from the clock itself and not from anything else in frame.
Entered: 2:38
